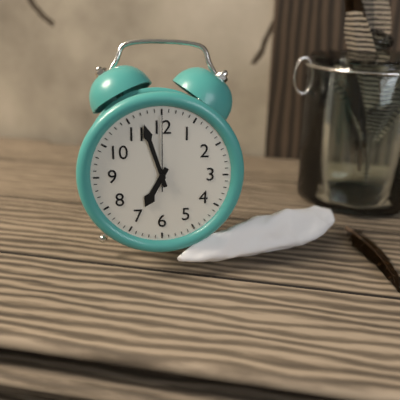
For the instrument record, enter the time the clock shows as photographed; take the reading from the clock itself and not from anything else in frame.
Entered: 6:57:00
